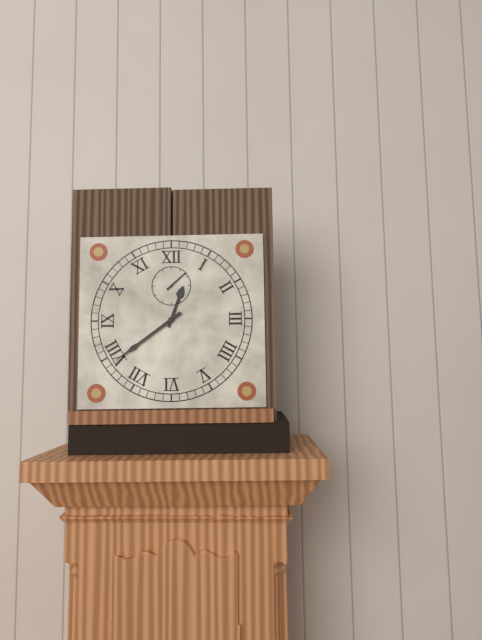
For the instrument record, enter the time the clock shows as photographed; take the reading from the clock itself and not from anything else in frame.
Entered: 12:39
